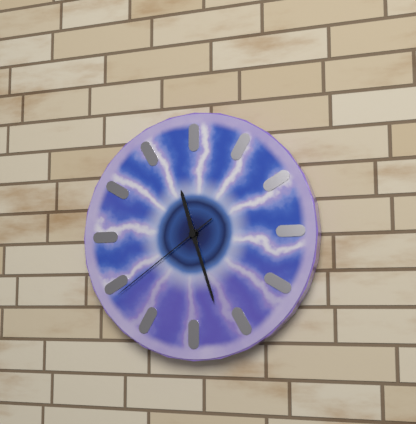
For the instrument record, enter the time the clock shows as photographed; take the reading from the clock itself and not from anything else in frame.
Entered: 11:27:39
